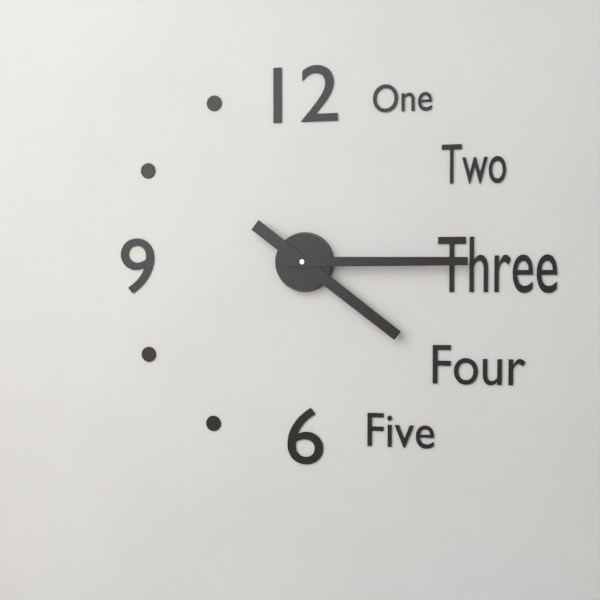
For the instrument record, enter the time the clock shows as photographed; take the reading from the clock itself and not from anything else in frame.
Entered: 4:15
